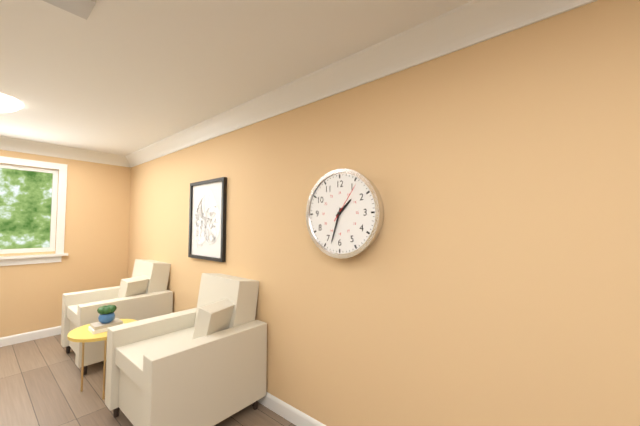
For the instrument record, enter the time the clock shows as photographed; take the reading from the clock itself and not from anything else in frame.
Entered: 1:33
